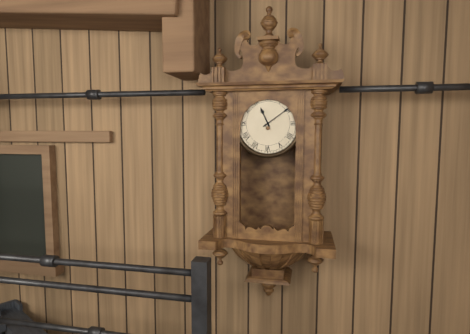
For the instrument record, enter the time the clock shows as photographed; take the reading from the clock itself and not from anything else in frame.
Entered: 11:09
